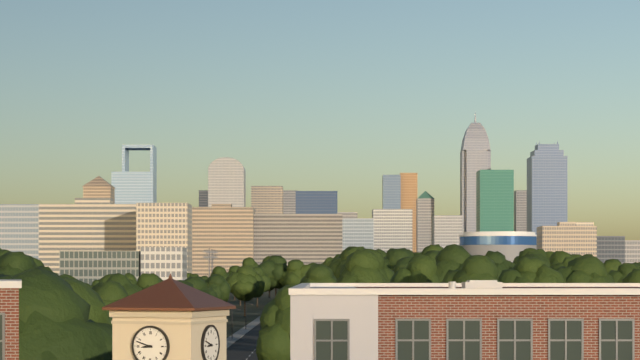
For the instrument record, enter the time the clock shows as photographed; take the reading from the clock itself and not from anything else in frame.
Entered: 8:48
